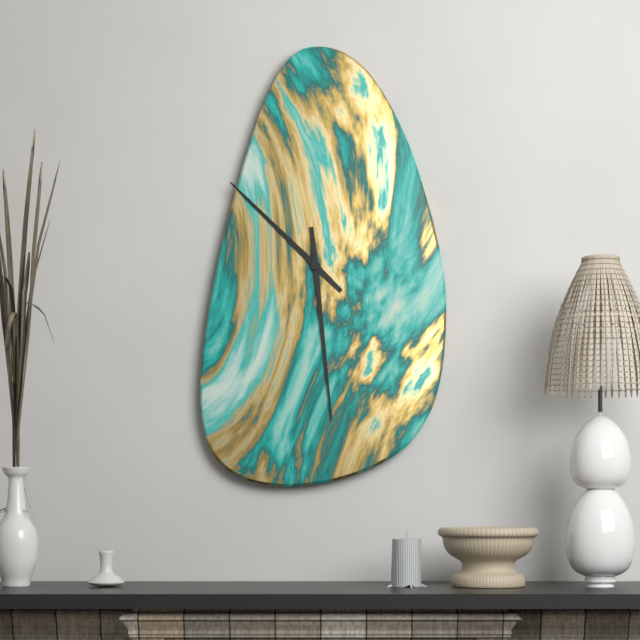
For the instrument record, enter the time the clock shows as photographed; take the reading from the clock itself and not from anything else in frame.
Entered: 10:29
